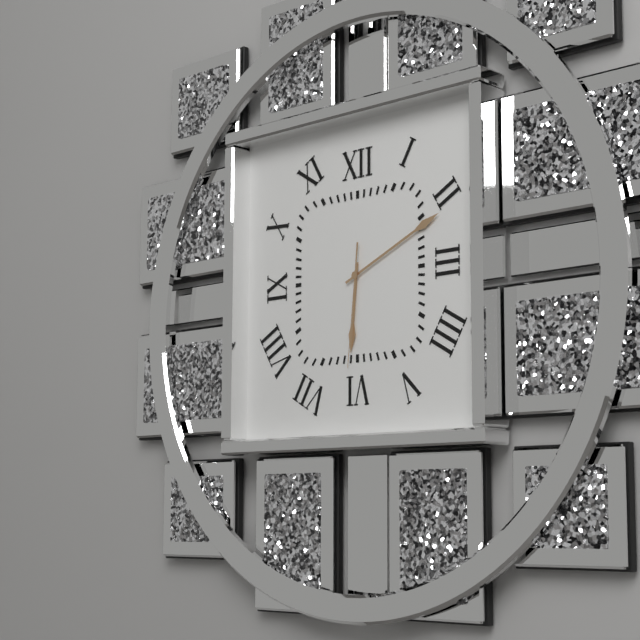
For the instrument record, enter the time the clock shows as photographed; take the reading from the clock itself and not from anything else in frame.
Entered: 6:11:31
